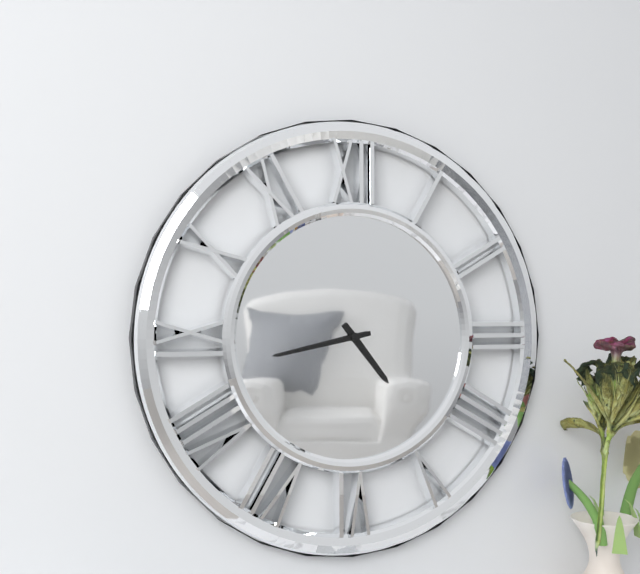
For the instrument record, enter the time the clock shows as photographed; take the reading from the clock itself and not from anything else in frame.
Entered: 4:43
